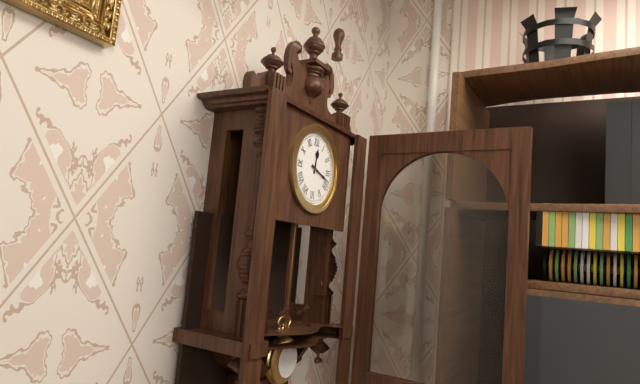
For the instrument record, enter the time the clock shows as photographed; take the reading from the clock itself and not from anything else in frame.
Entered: 12:18
